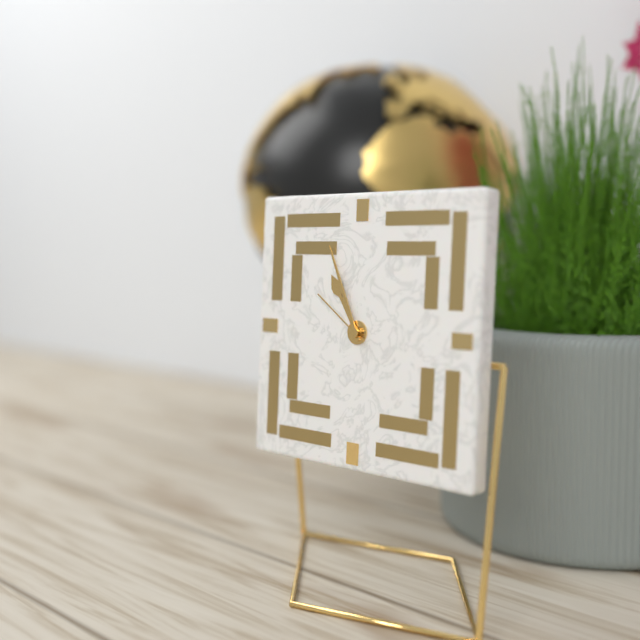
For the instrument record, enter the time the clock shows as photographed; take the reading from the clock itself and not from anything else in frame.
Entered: 10:56:51
